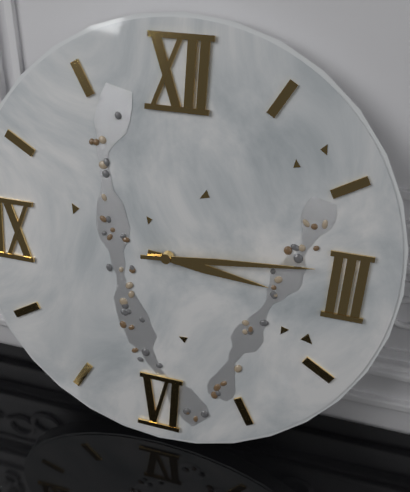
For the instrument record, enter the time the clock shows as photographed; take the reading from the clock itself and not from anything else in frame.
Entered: 3:14
